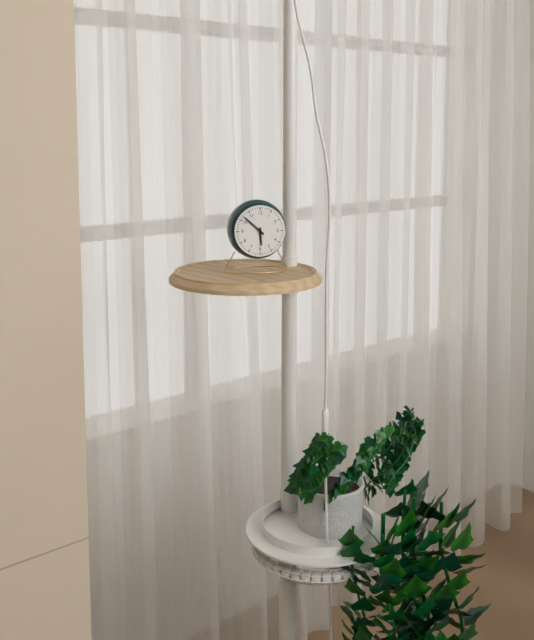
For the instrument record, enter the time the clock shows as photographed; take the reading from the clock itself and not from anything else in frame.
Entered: 5:52
